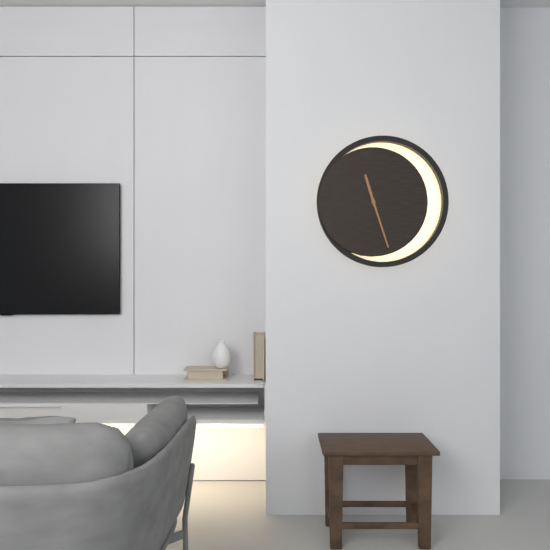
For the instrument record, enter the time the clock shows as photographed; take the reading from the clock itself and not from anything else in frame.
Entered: 11:27
